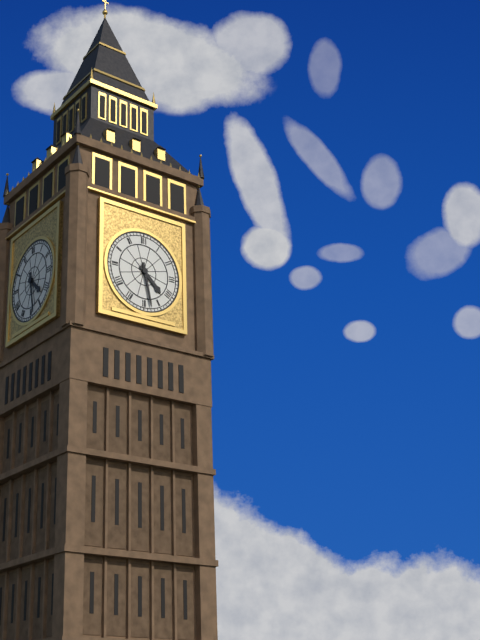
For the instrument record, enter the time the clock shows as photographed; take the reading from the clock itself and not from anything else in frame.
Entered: 4:28
